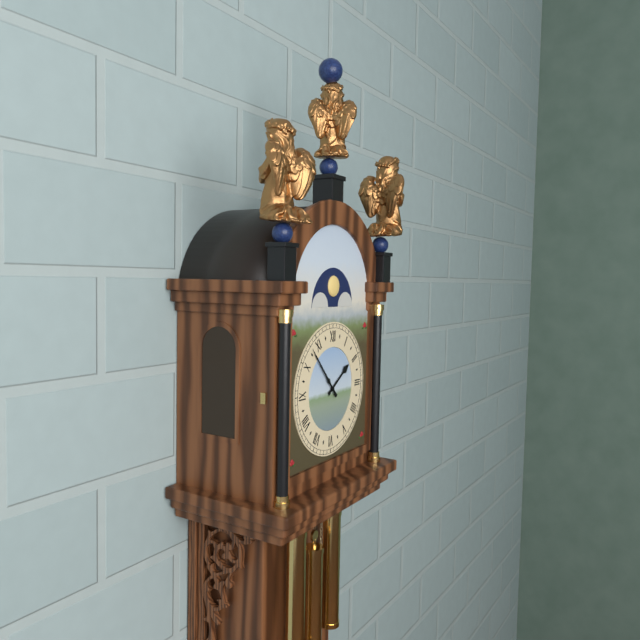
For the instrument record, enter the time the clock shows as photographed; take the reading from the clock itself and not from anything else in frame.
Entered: 1:53
